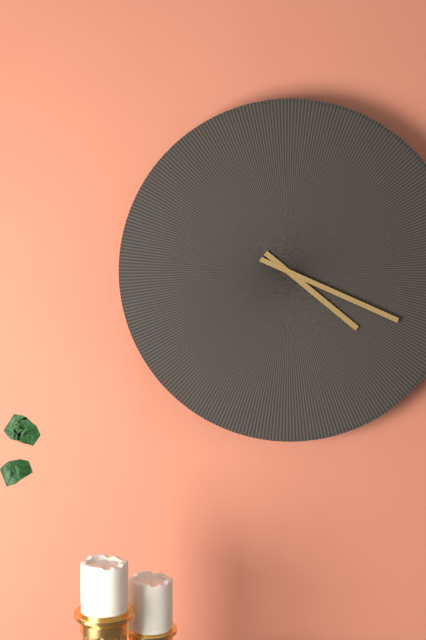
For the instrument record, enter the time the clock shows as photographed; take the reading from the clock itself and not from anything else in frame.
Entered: 4:19
